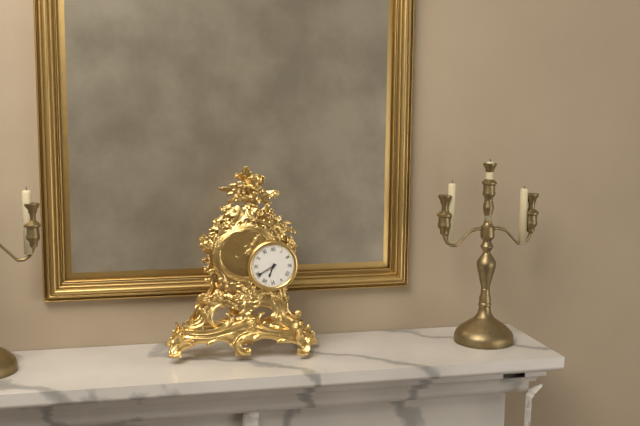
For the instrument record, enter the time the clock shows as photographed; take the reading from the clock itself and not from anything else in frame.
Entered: 6:40
